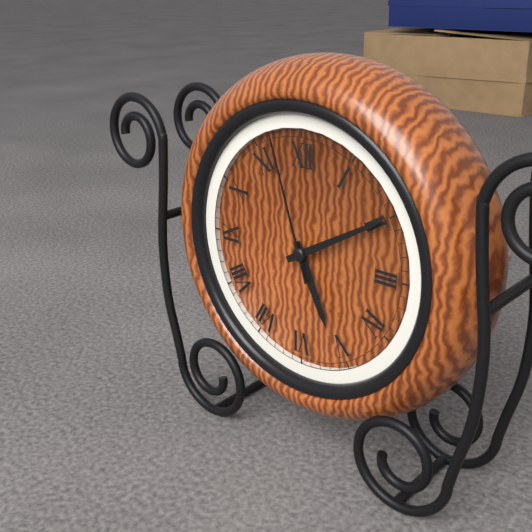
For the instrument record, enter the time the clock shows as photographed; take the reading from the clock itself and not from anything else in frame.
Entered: 5:10:57
